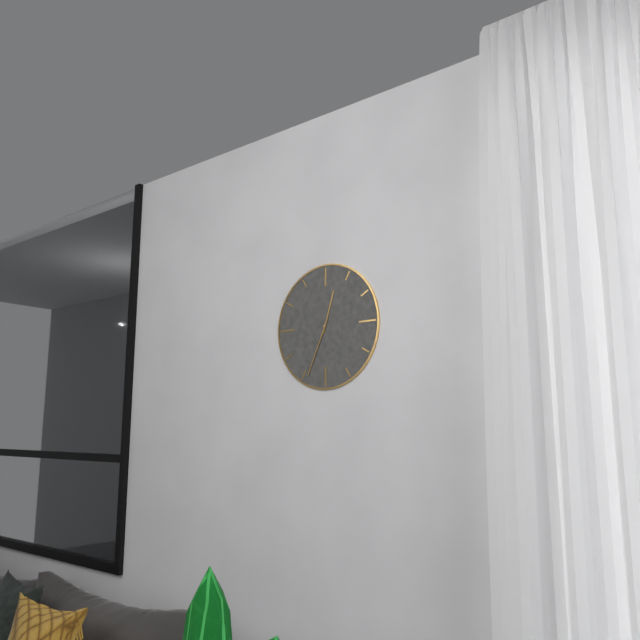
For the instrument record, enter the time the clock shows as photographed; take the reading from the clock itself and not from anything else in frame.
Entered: 12:34
